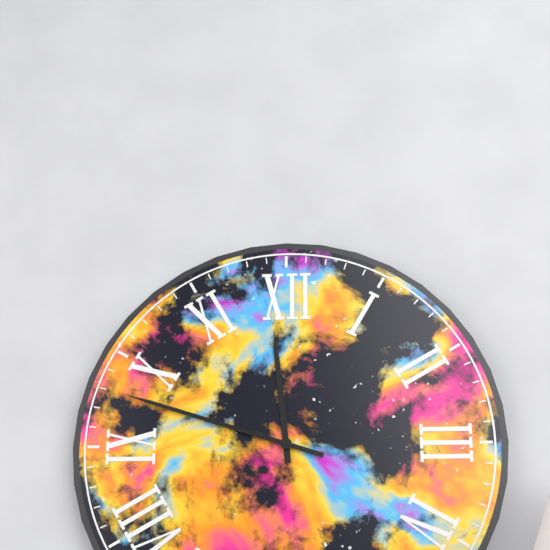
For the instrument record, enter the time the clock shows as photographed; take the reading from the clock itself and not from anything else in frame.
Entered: 11:48
